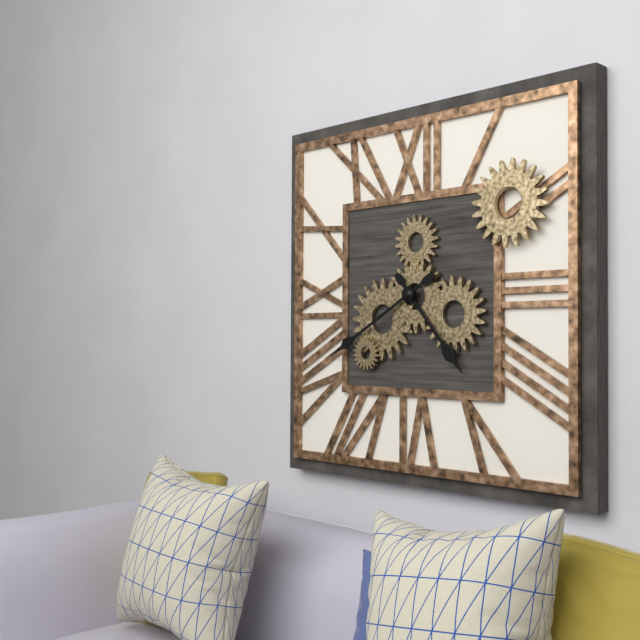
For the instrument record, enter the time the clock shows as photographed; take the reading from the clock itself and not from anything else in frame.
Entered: 4:40
